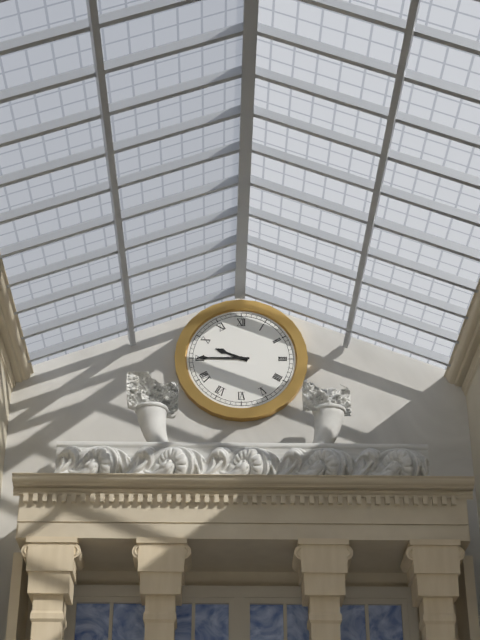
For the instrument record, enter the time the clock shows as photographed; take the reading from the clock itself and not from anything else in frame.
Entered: 9:45
